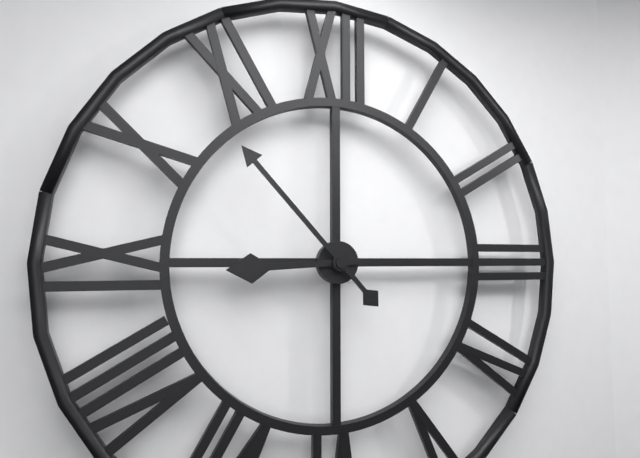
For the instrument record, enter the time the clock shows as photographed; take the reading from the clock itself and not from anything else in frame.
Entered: 8:53
